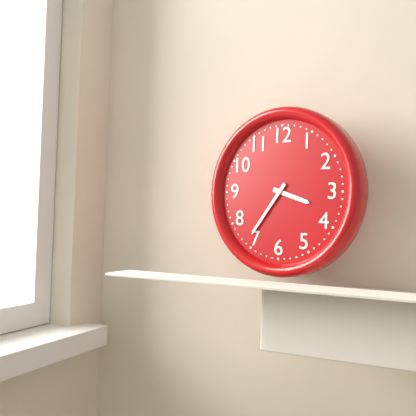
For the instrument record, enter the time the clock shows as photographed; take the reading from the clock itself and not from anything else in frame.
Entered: 3:36
